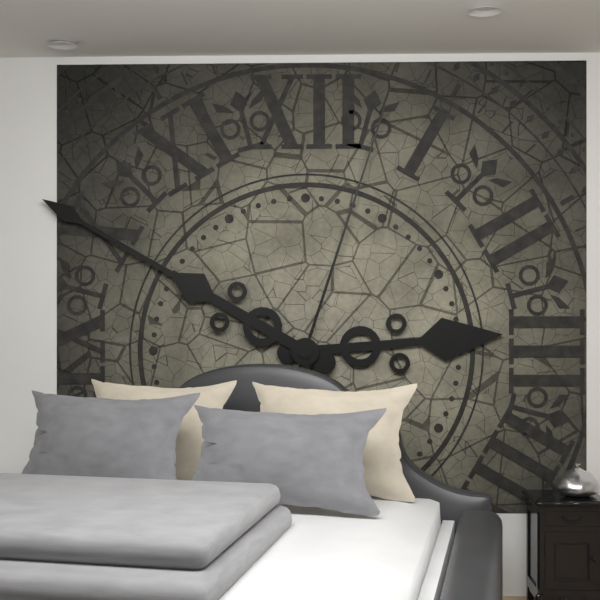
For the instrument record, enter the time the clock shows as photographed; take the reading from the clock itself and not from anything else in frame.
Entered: 2:50:03
